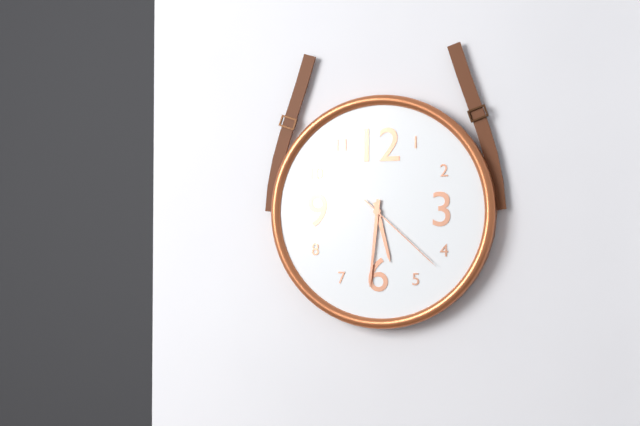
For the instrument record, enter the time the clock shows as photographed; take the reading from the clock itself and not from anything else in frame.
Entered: 5:31:22
